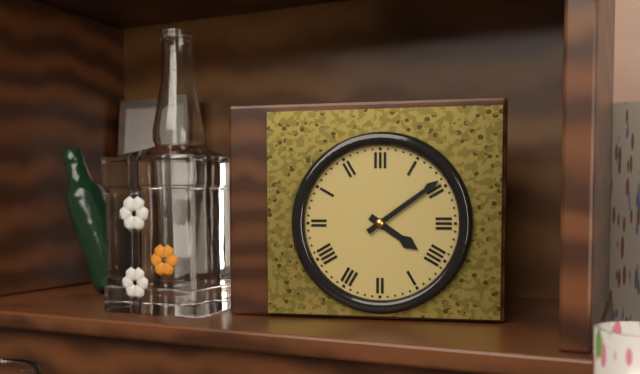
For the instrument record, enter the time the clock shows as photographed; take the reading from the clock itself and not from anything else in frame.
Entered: 4:09
